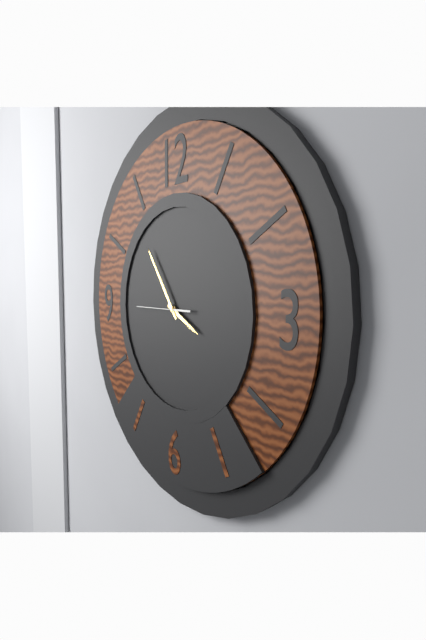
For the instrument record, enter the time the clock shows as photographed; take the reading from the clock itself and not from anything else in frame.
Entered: 3:54:45
